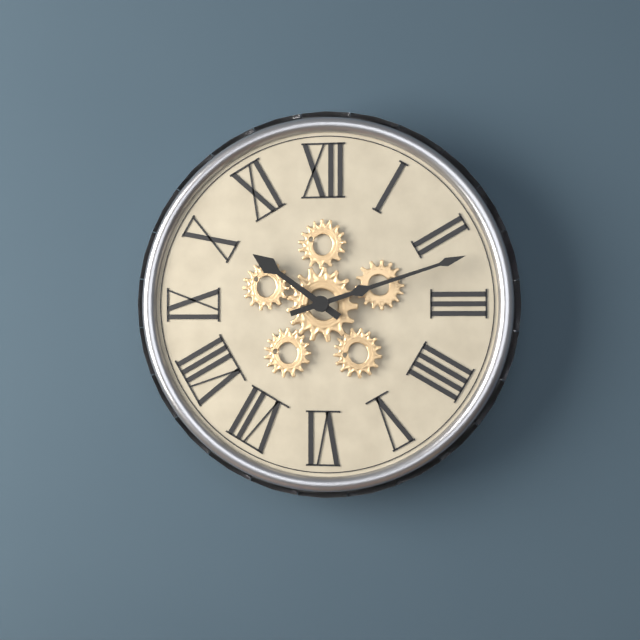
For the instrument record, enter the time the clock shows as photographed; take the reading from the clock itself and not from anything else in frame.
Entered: 10:12
